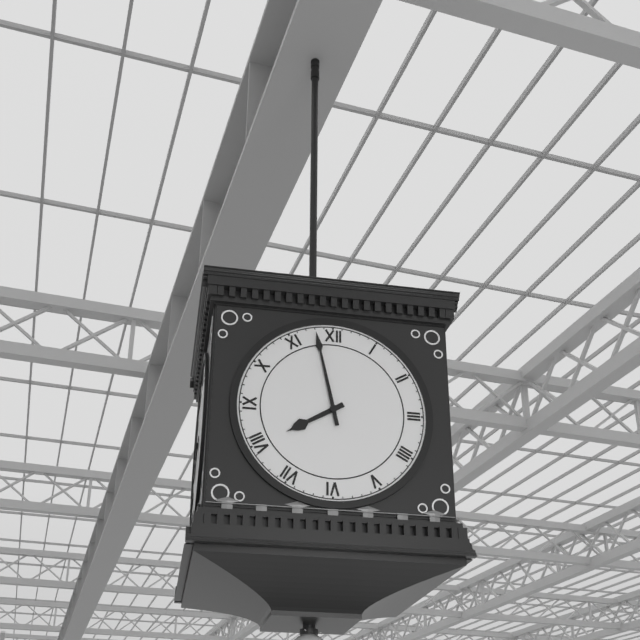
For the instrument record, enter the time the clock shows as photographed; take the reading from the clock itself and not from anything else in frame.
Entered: 7:58
